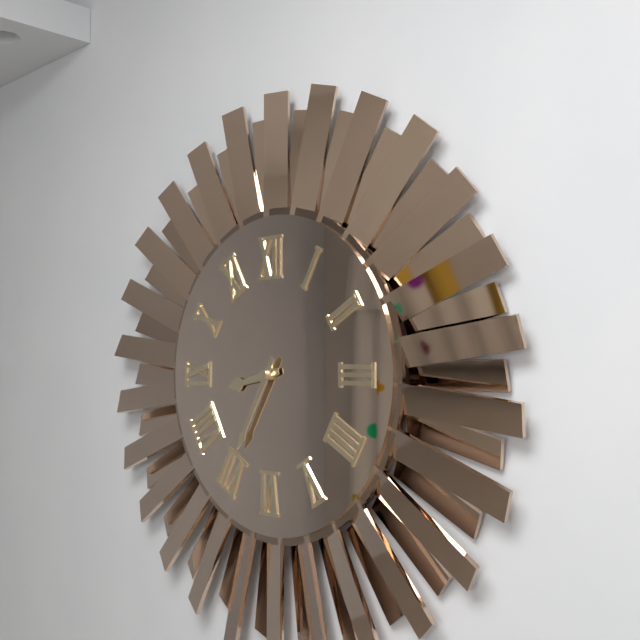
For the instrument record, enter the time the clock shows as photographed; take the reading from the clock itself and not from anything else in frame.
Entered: 8:35
